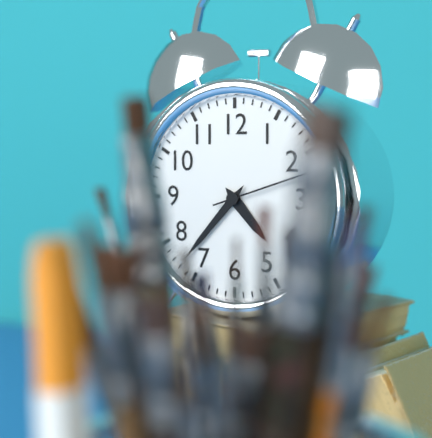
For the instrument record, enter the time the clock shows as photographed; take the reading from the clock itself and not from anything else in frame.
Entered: 4:37:12
